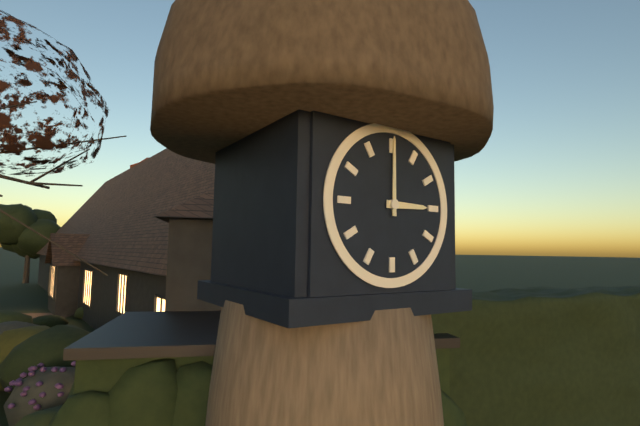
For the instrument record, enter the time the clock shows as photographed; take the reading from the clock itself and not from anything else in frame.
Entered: 3:00
